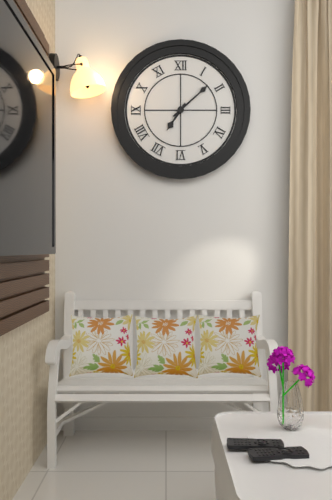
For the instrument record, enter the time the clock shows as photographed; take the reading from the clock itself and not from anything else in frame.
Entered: 7:08
